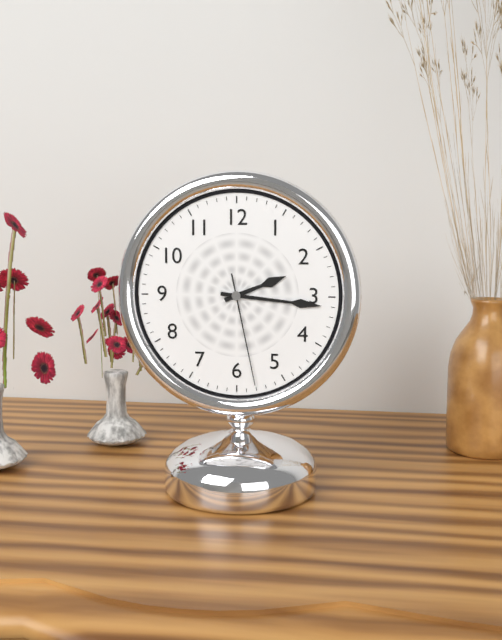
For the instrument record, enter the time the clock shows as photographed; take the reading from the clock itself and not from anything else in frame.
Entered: 2:16:28
